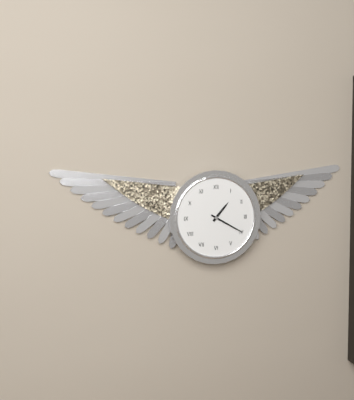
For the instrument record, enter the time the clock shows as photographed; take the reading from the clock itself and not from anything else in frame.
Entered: 1:20
